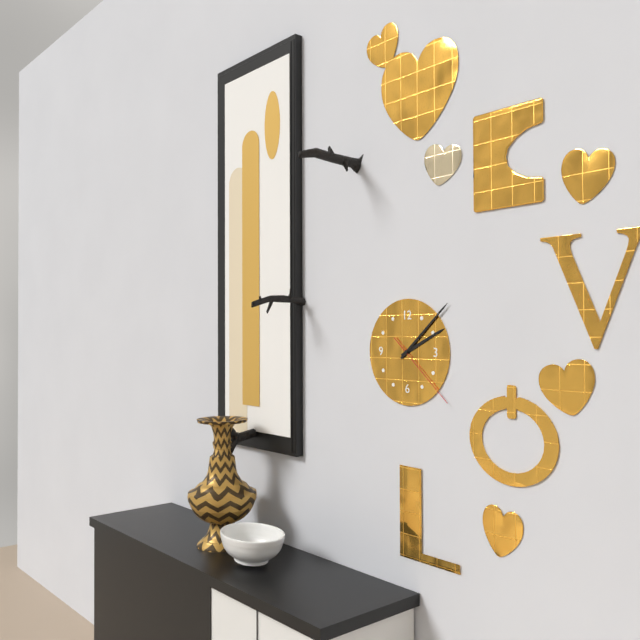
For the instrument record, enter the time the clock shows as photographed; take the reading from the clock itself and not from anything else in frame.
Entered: 2:08:22
